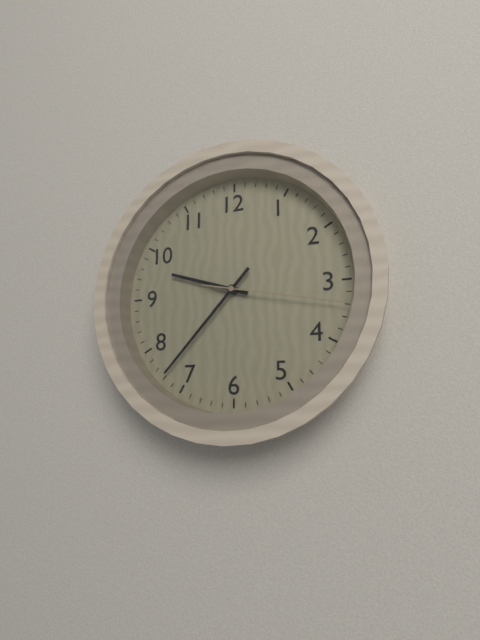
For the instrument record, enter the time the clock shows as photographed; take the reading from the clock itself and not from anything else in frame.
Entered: 9:37:17
